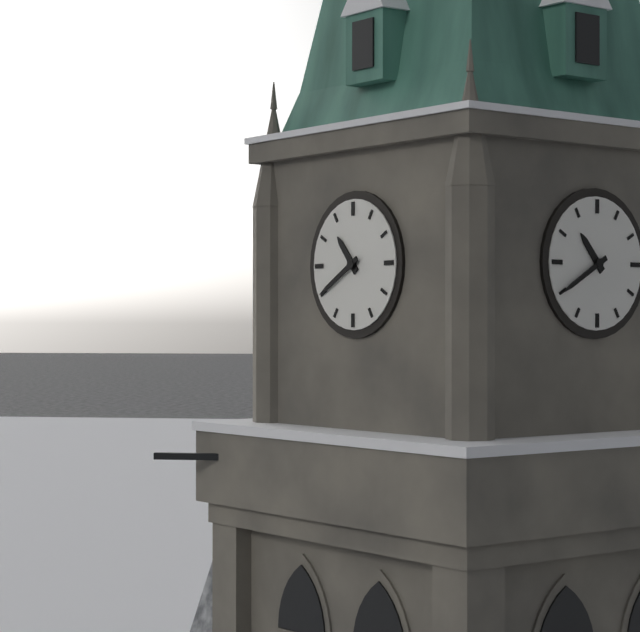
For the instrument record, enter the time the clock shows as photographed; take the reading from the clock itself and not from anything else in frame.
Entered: 10:40
